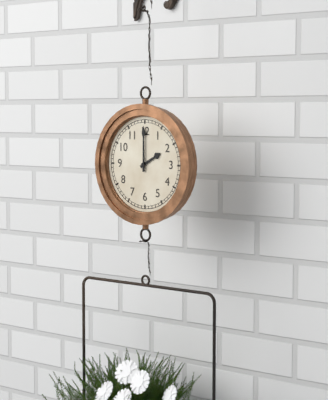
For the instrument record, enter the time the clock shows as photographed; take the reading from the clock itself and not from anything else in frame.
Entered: 2:00
